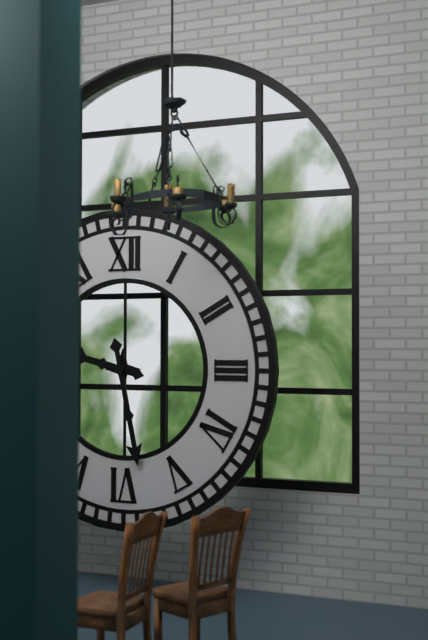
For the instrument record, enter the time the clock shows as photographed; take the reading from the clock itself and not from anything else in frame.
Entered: 9:28
